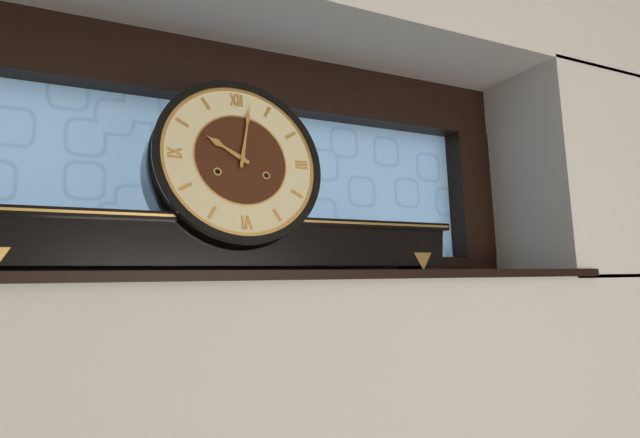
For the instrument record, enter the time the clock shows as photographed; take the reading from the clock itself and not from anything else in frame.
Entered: 10:02
